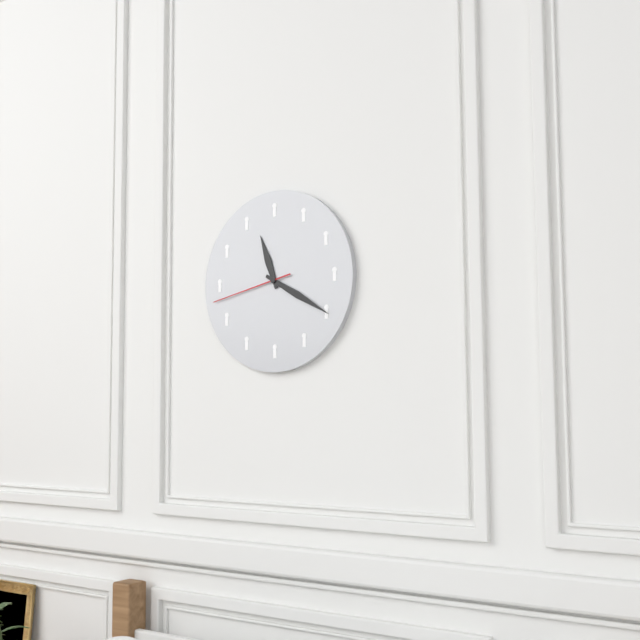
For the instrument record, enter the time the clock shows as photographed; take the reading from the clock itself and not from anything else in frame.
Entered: 11:20:43
